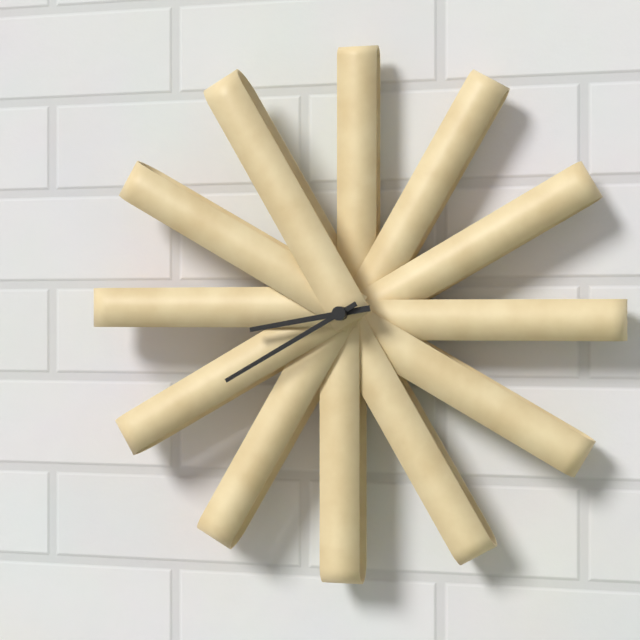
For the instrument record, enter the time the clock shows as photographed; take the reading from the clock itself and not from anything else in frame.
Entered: 8:40
